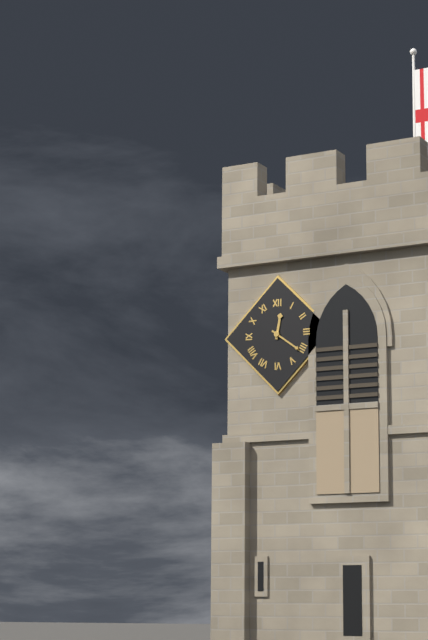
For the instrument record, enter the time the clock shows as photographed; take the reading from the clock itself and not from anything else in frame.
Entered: 12:21
